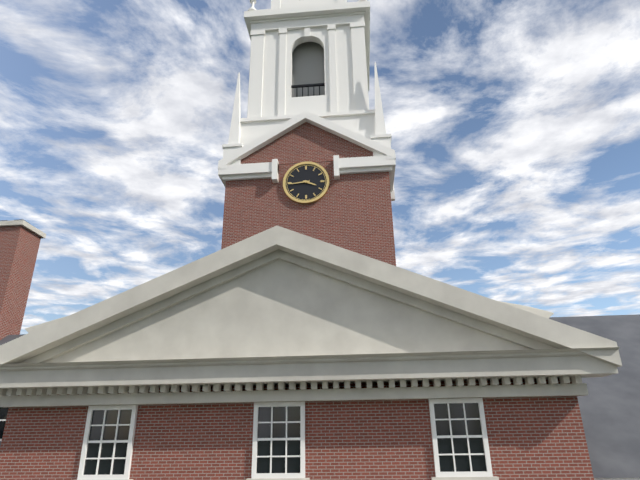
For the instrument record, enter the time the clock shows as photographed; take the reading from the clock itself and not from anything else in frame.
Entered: 3:44
